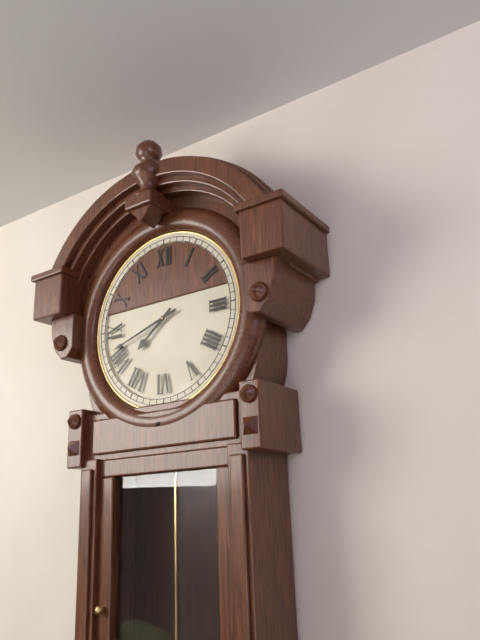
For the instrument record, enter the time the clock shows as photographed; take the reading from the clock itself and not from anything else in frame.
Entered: 7:42
